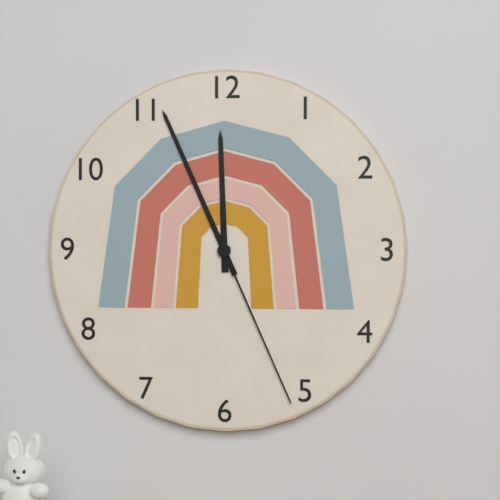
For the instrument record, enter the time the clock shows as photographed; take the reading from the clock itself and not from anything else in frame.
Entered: 11:56:26
